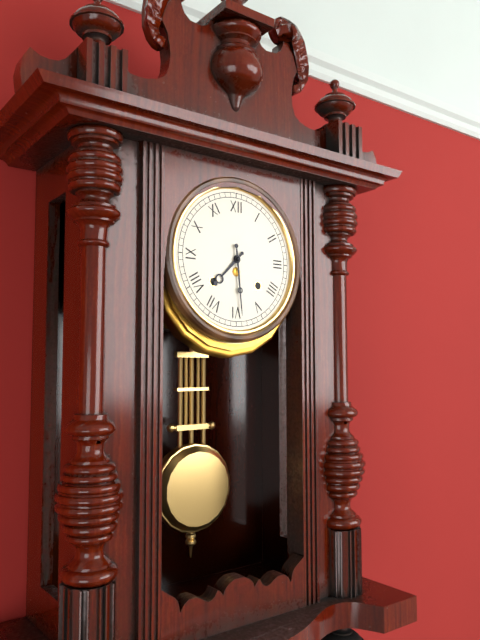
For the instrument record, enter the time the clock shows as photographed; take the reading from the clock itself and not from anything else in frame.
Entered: 7:29
